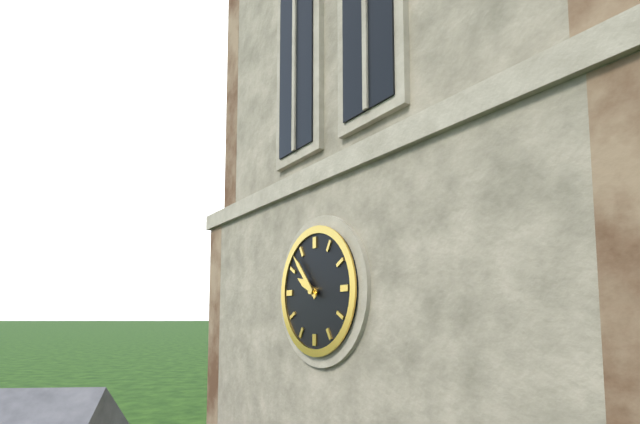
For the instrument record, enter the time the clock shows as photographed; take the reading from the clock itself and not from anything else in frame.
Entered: 9:53
